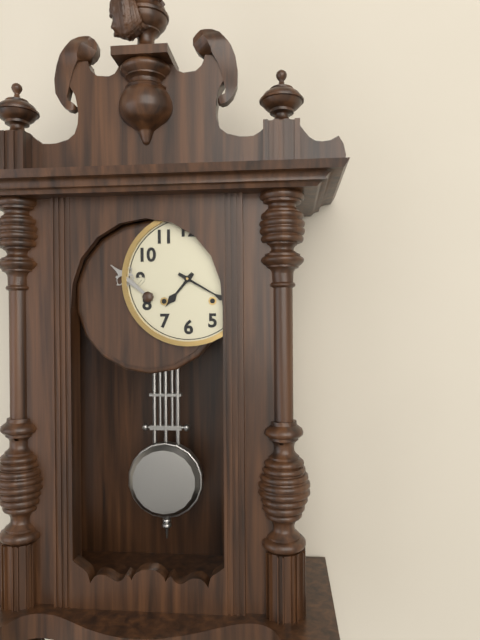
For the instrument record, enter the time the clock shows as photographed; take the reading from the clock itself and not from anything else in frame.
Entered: 7:20
